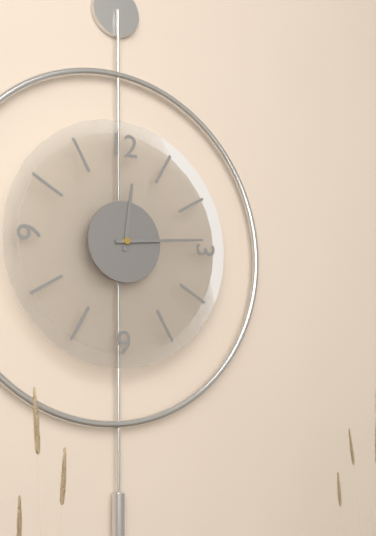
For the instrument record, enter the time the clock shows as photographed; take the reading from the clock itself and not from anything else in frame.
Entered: 12:14
